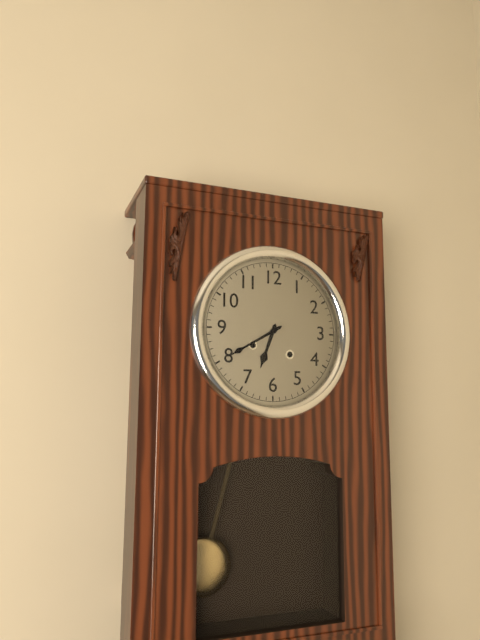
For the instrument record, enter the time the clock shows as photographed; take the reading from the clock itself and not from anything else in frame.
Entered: 6:40
